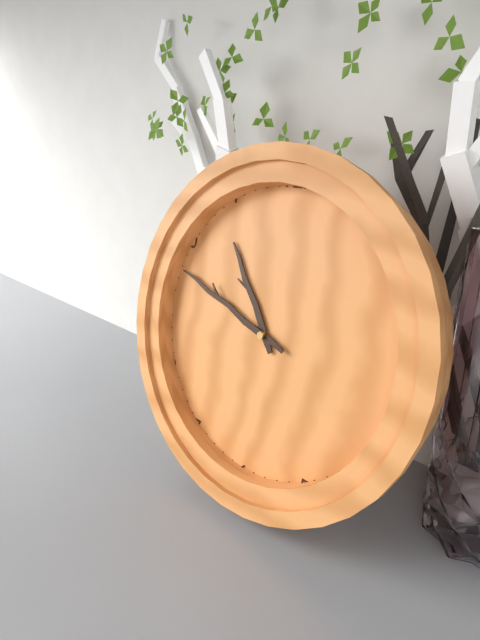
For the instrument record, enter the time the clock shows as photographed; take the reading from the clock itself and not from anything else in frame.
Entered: 10:48
